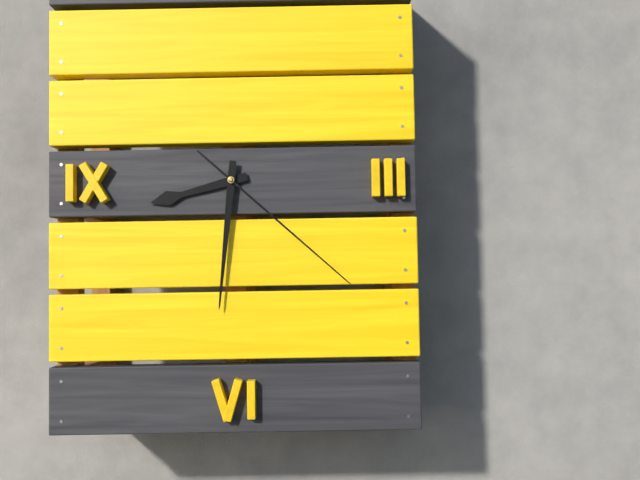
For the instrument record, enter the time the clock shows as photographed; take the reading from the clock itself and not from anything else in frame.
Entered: 8:31:22
